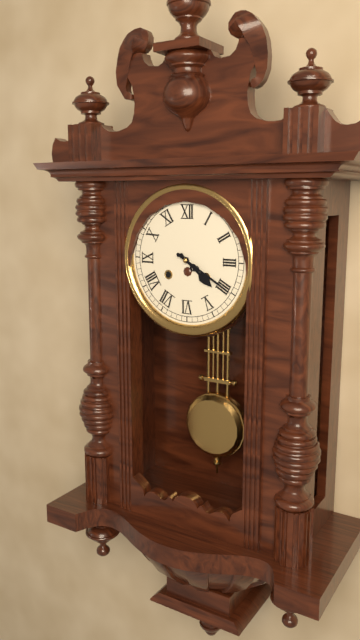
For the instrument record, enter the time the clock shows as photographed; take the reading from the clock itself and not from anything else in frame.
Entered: 4:20
